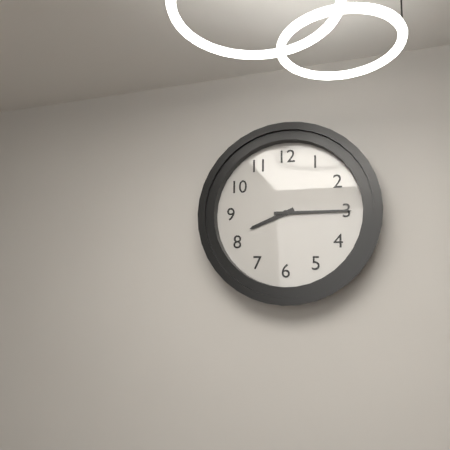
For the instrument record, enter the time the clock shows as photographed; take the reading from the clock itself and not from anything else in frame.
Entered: 8:15
